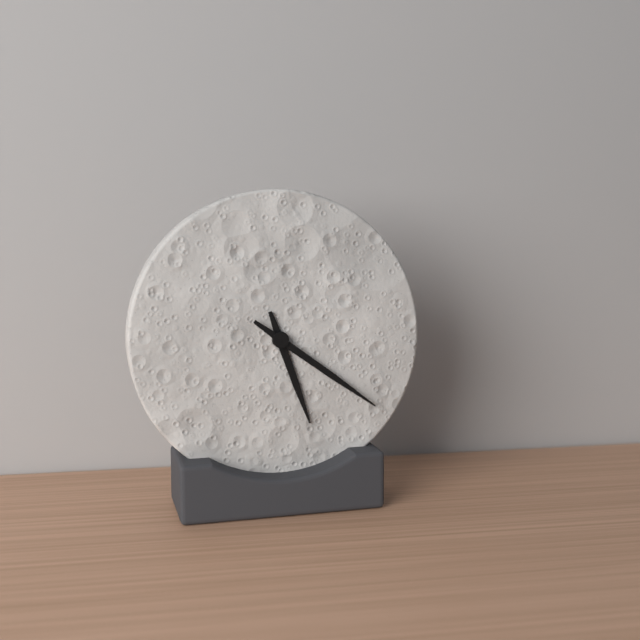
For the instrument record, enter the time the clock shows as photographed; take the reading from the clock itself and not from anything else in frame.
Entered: 5:21
